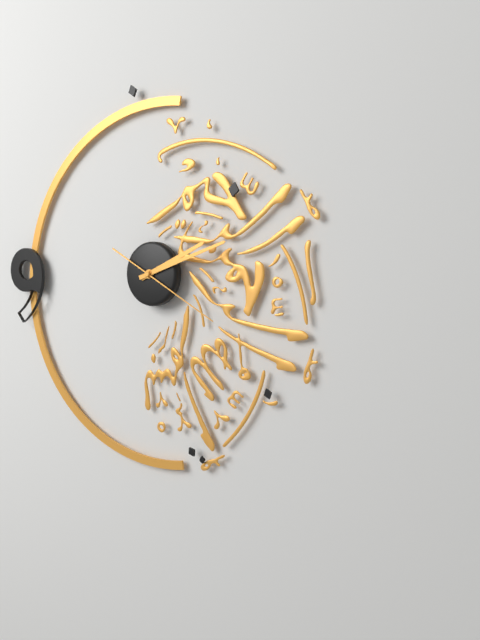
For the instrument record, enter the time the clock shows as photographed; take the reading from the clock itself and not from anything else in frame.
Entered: 2:12:20
